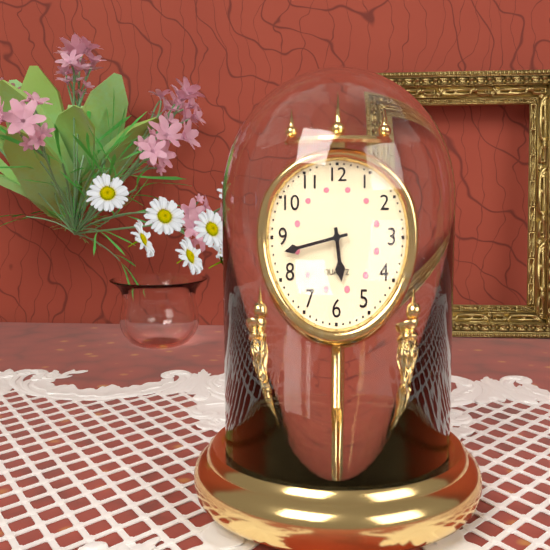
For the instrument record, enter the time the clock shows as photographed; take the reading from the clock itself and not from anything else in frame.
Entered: 5:43
